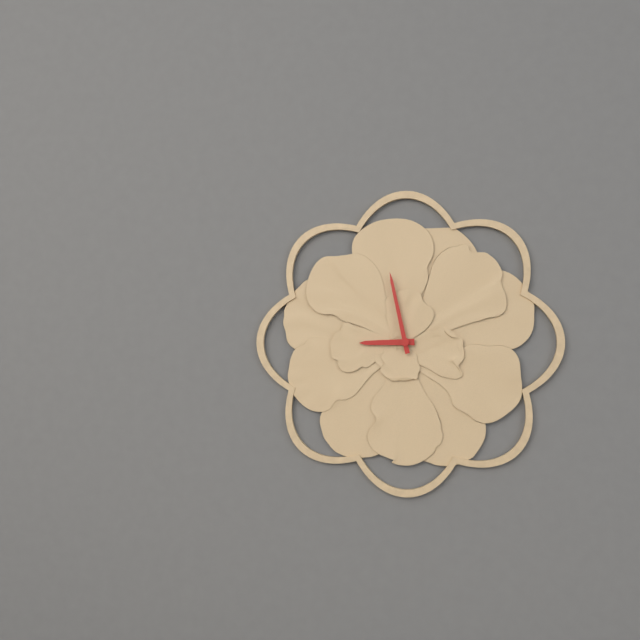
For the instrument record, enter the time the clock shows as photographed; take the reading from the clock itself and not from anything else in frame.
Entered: 8:58
